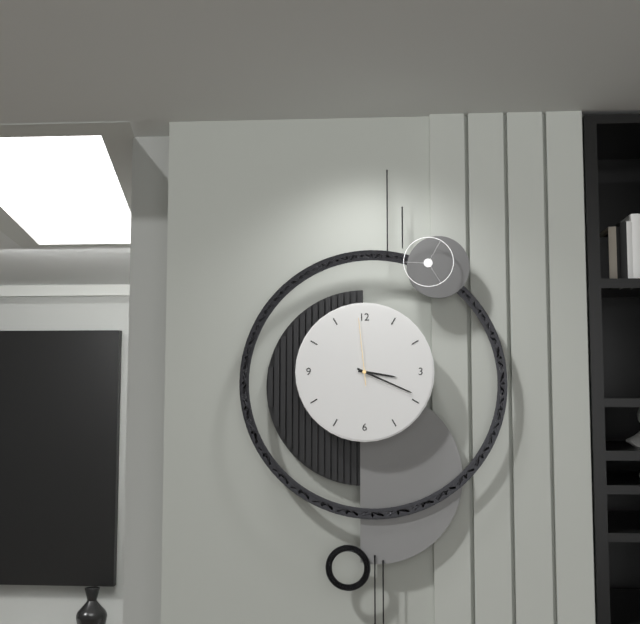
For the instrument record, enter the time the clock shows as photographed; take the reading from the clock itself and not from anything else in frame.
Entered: 3:19:59
